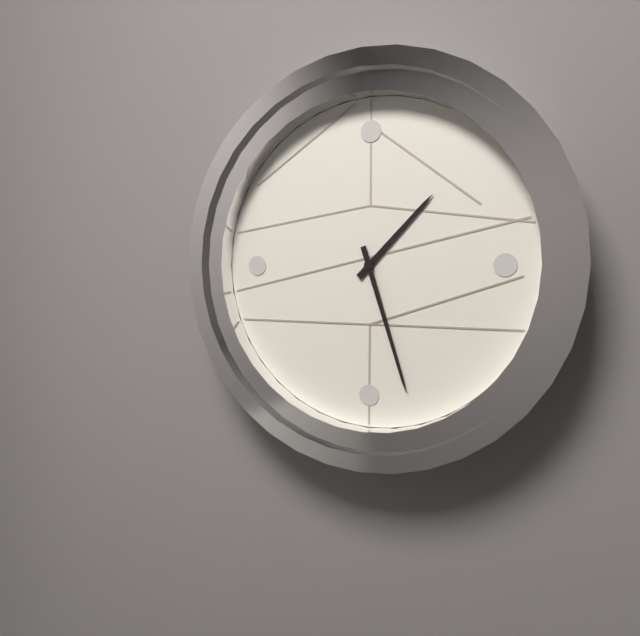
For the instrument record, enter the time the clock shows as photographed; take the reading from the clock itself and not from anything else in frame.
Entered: 1:27
